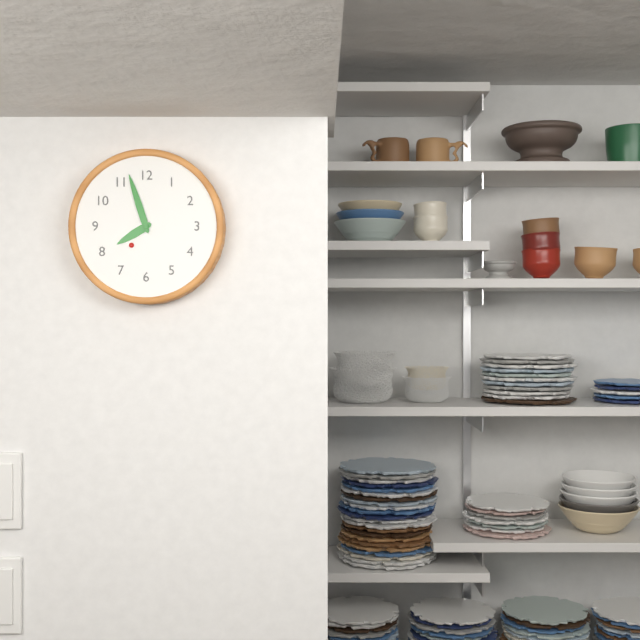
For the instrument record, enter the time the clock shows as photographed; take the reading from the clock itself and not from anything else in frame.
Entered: 7:57
